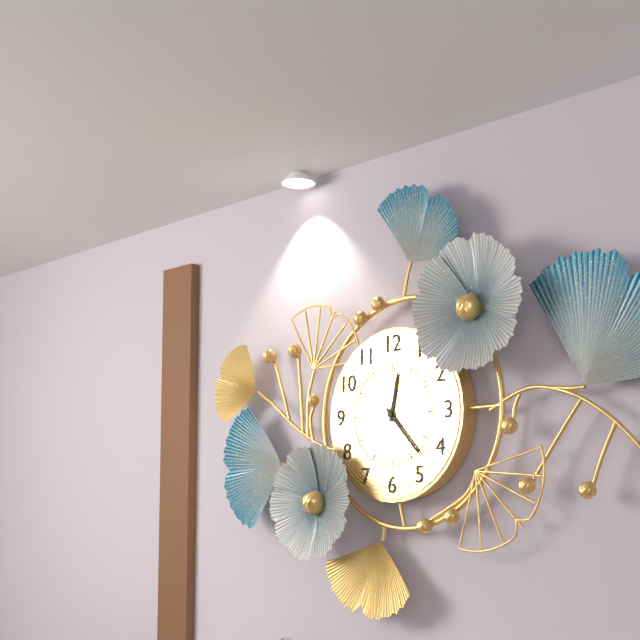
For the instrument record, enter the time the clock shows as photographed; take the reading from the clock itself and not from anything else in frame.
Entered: 12:23
